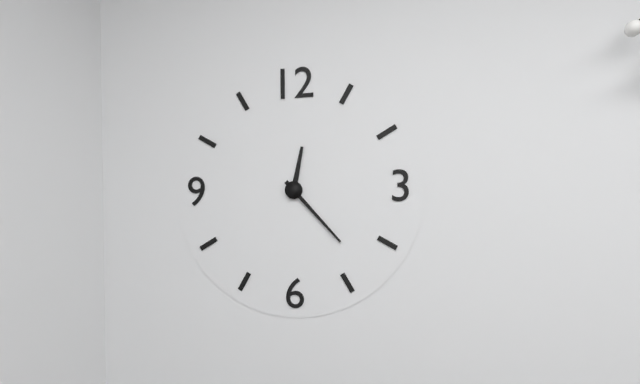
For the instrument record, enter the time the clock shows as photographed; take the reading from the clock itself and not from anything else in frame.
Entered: 12:23
